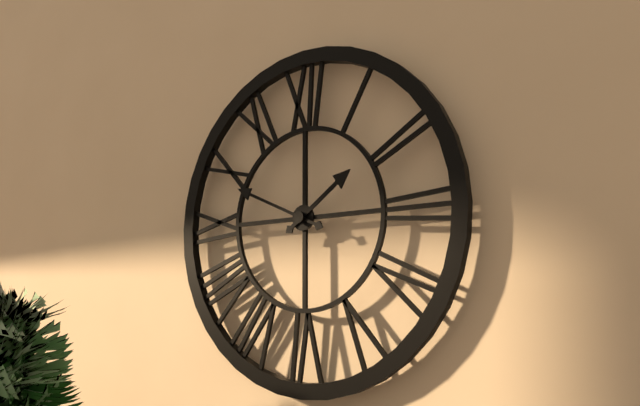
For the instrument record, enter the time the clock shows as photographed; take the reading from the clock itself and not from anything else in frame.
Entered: 1:49
